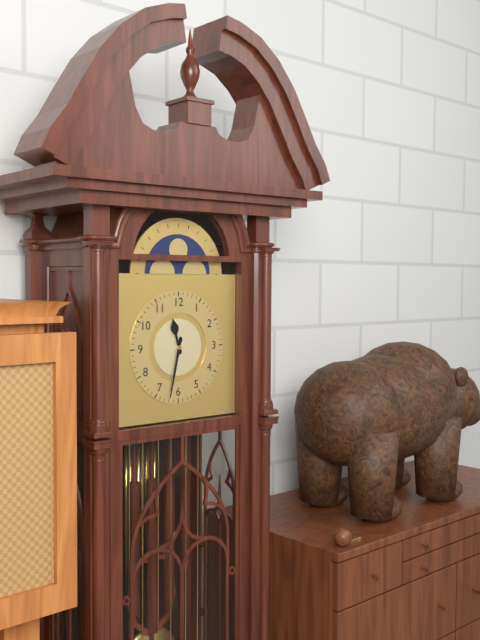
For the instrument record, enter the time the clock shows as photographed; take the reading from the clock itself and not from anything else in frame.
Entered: 11:32
